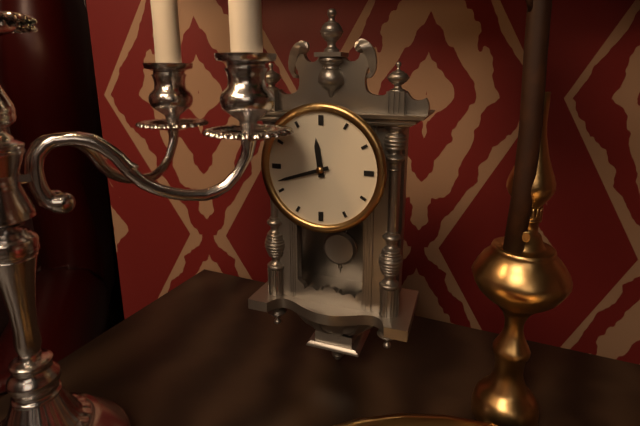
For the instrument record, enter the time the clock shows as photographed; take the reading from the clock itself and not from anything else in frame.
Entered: 11:42
